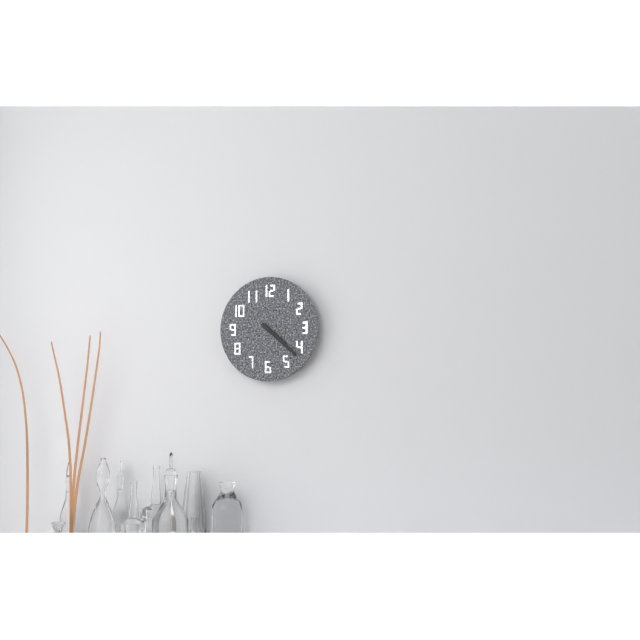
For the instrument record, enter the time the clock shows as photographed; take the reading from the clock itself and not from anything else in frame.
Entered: 4:22
